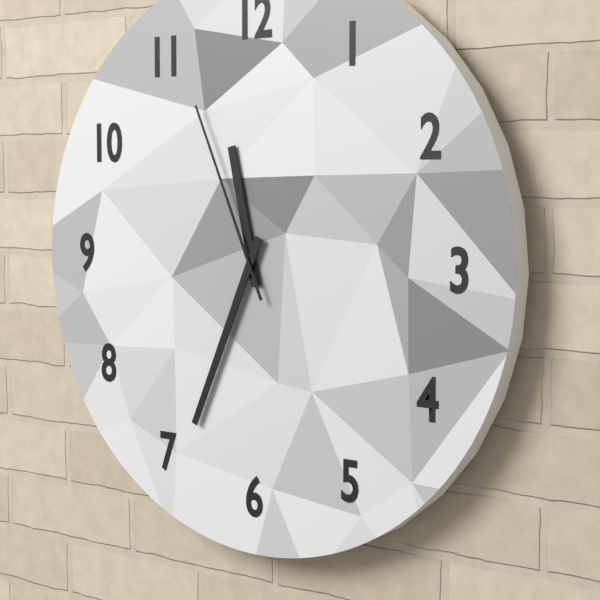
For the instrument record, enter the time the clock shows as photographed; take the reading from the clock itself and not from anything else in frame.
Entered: 11:34:56
